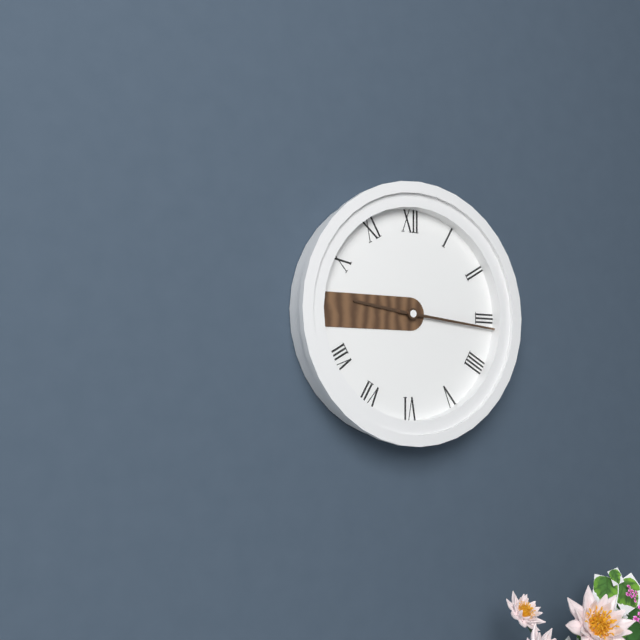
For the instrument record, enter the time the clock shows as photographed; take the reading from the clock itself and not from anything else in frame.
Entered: 9:16
